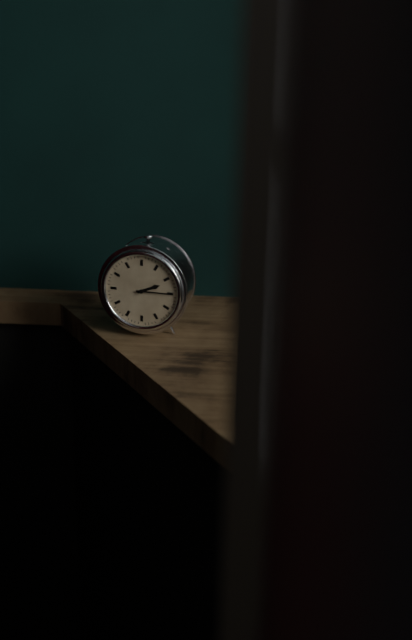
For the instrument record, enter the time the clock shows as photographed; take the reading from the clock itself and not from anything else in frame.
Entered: 2:15
